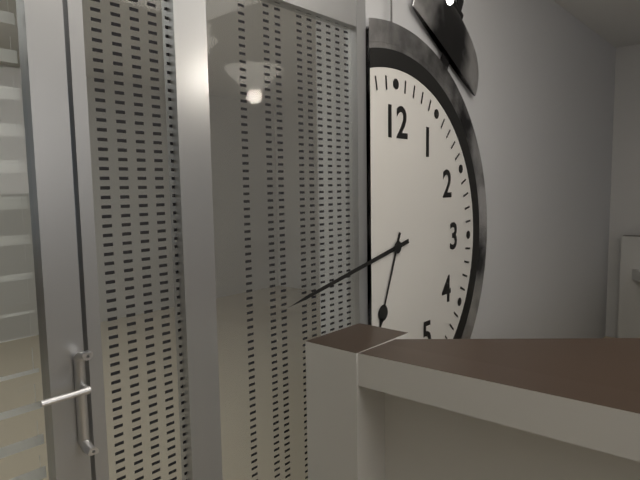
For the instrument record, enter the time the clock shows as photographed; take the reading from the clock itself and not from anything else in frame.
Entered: 6:43
